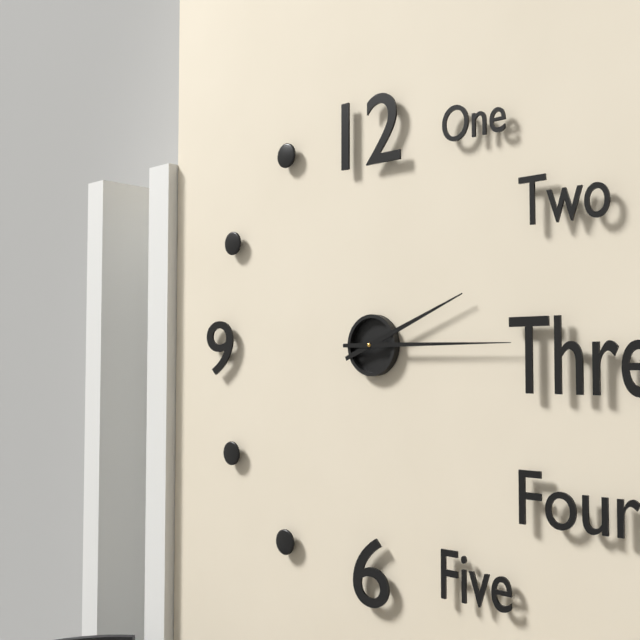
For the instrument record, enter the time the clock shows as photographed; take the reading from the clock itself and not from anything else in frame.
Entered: 2:15
